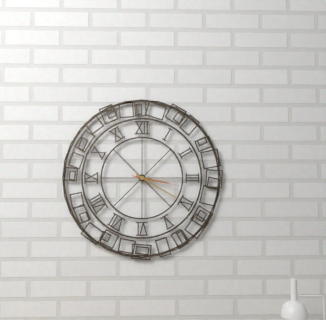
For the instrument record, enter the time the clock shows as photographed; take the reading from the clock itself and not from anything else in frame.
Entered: 3:20
